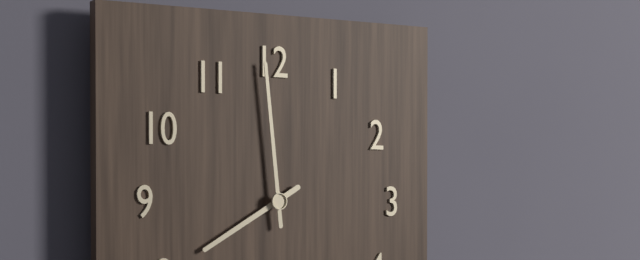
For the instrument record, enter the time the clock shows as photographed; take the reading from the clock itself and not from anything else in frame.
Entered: 7:59
